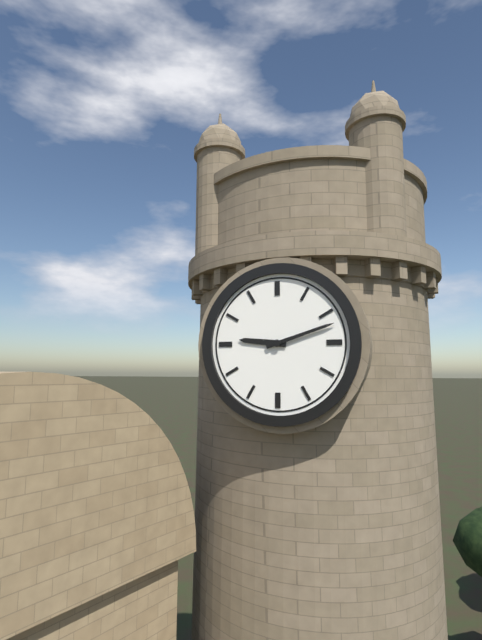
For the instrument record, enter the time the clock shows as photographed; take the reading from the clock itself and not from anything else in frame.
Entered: 9:12
